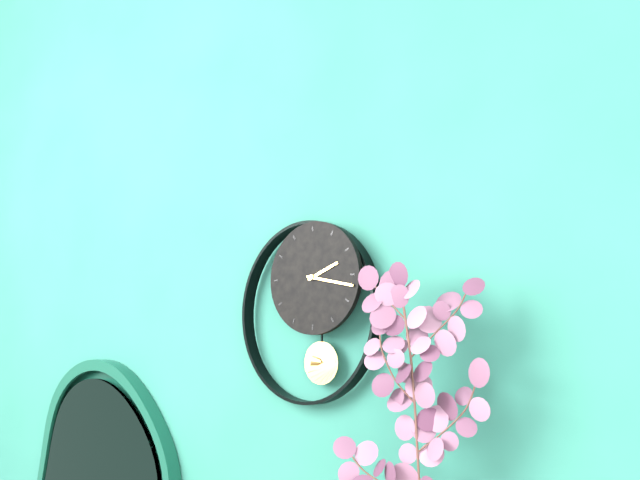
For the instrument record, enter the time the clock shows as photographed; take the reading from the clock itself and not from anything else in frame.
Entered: 2:17
